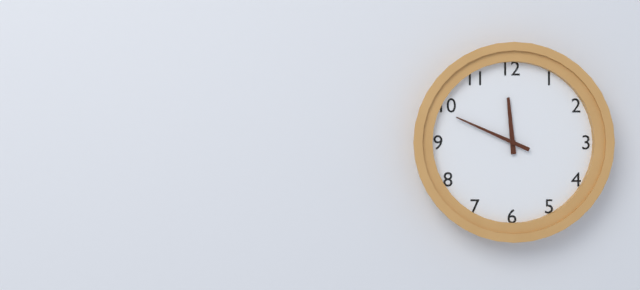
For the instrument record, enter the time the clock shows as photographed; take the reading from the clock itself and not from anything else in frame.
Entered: 11:49
